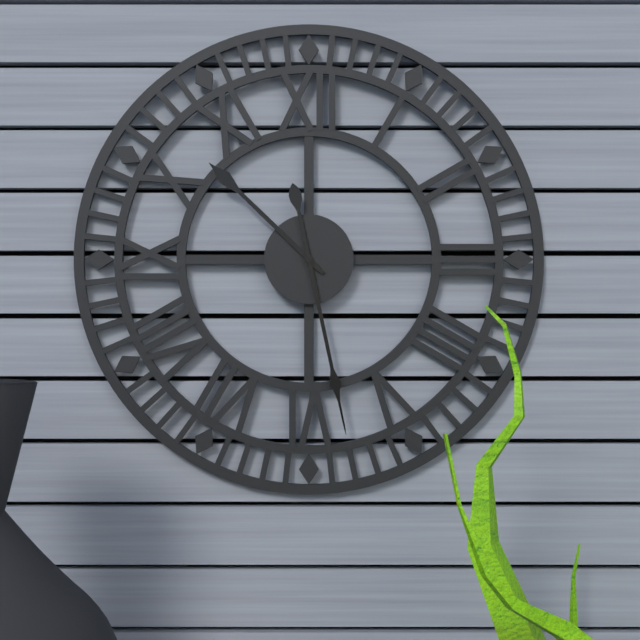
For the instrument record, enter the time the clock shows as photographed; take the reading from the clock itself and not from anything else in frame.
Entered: 10:28
